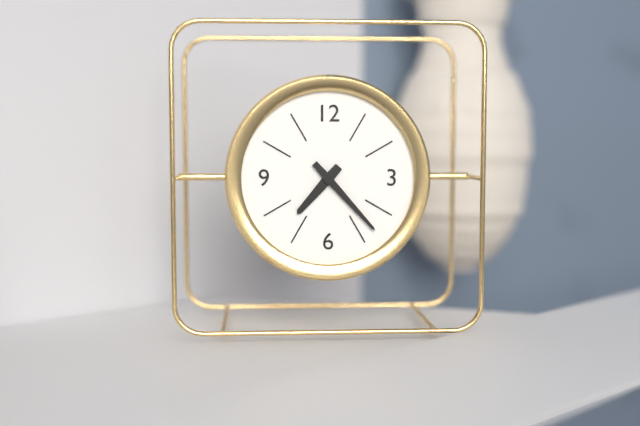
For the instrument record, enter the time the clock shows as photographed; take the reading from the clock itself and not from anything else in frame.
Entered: 7:23
